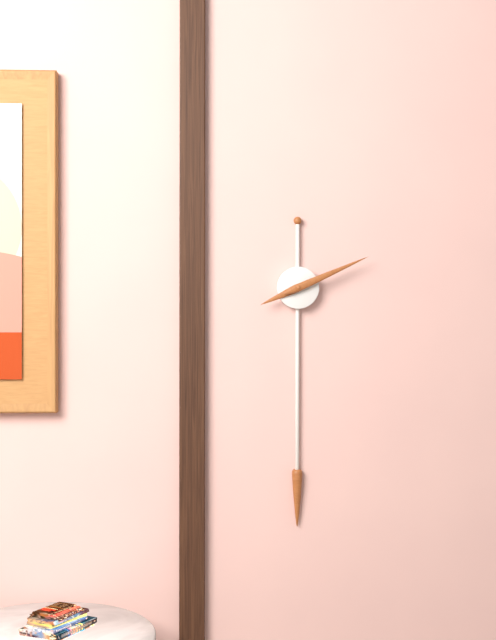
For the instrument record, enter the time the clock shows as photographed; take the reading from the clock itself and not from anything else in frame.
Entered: 8:11
